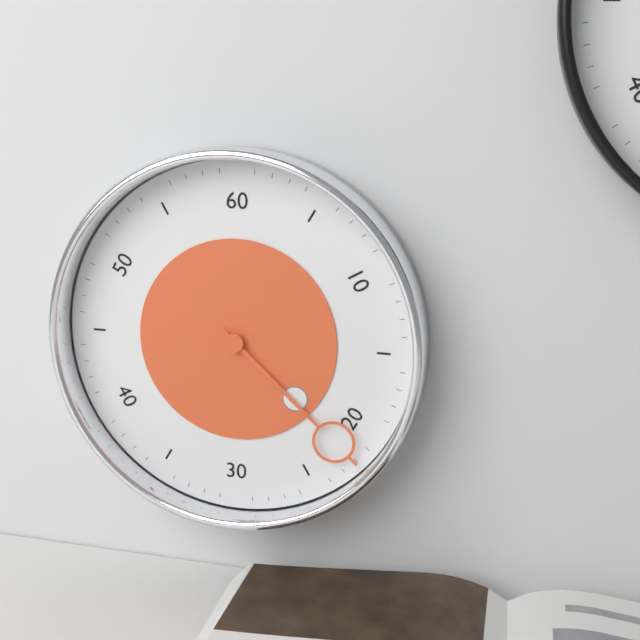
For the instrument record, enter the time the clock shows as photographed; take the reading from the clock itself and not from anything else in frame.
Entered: 4:22
